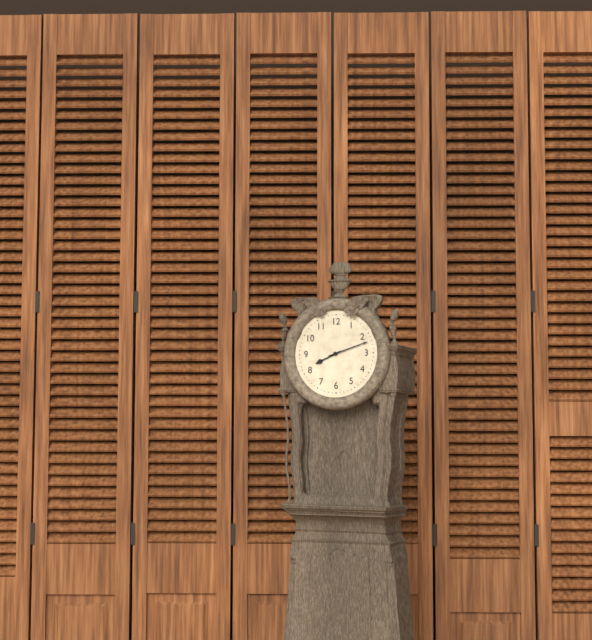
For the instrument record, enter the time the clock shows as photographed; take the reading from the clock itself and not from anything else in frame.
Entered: 8:12
